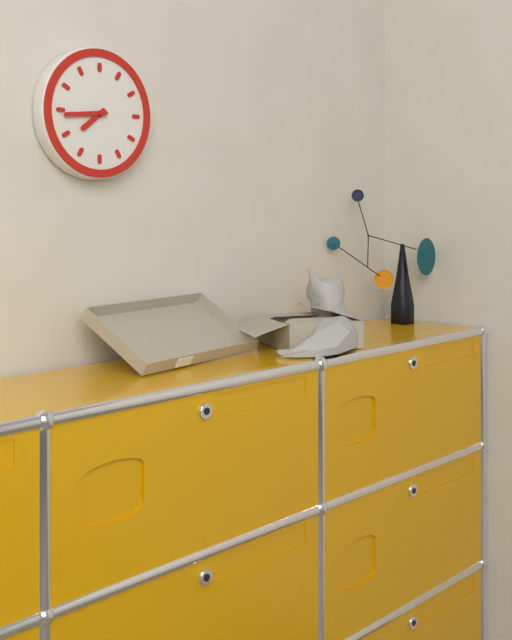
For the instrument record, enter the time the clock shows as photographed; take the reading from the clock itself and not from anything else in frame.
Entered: 7:44
